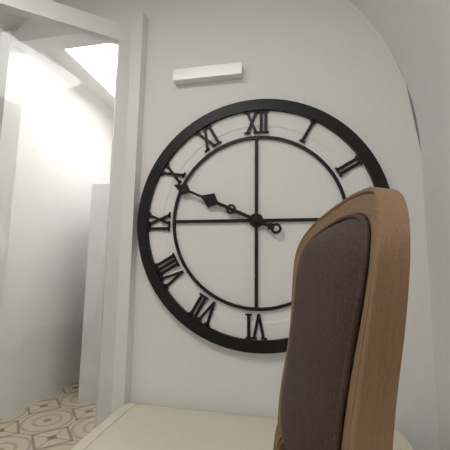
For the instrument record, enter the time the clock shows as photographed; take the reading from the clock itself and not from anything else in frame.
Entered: 9:49
